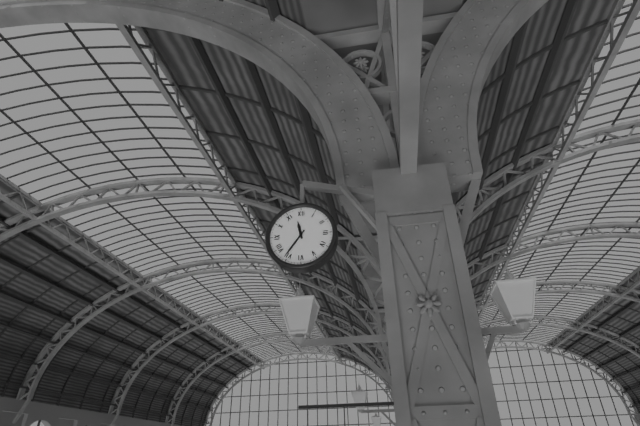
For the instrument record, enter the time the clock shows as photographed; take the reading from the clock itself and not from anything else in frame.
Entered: 11:36
